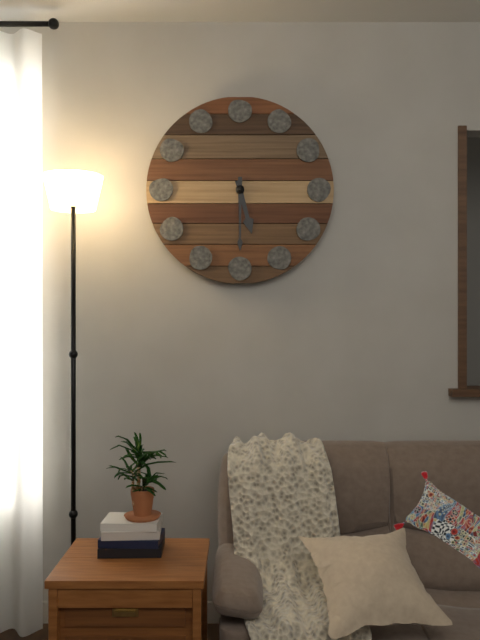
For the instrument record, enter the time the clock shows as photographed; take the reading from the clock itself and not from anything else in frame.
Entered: 5:30
